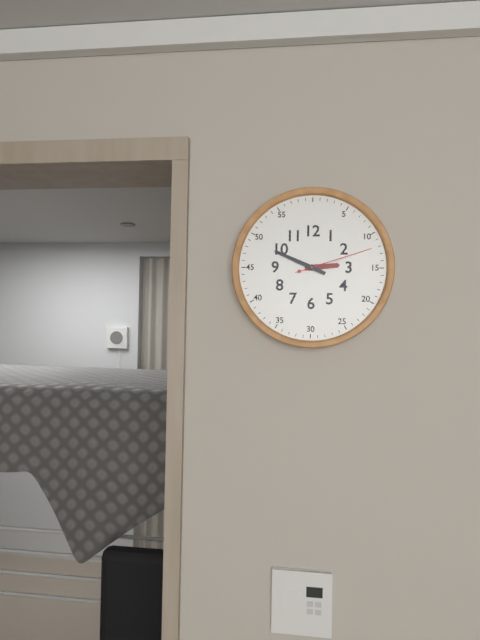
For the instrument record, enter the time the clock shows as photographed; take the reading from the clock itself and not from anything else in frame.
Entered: 2:49:12
